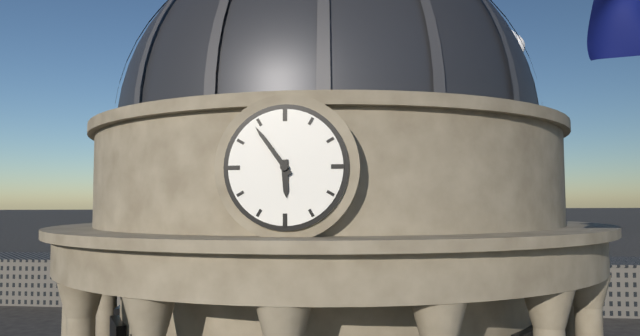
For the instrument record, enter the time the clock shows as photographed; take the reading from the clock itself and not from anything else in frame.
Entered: 5:54
